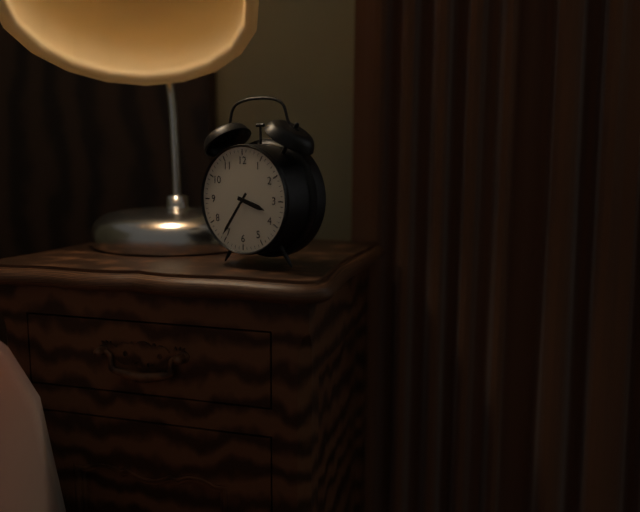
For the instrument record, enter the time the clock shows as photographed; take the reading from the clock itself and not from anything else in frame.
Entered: 3:36
